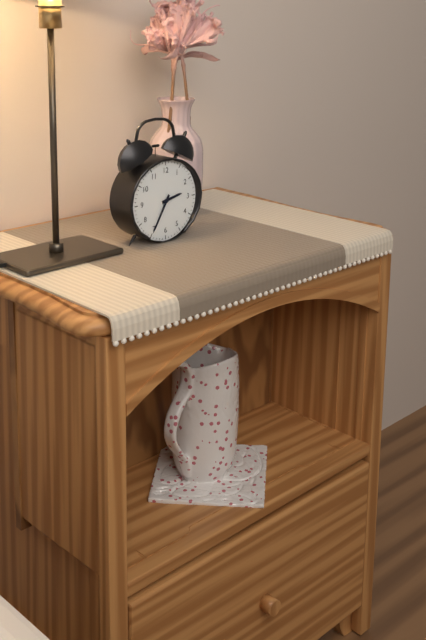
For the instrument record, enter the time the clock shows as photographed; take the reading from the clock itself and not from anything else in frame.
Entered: 2:35
